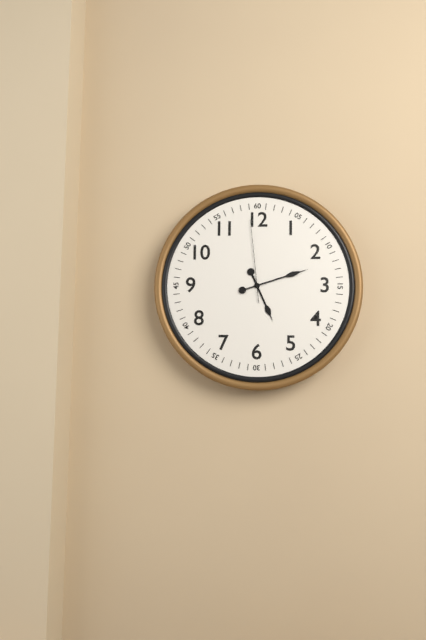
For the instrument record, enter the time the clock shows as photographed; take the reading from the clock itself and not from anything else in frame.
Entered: 5:12:59
